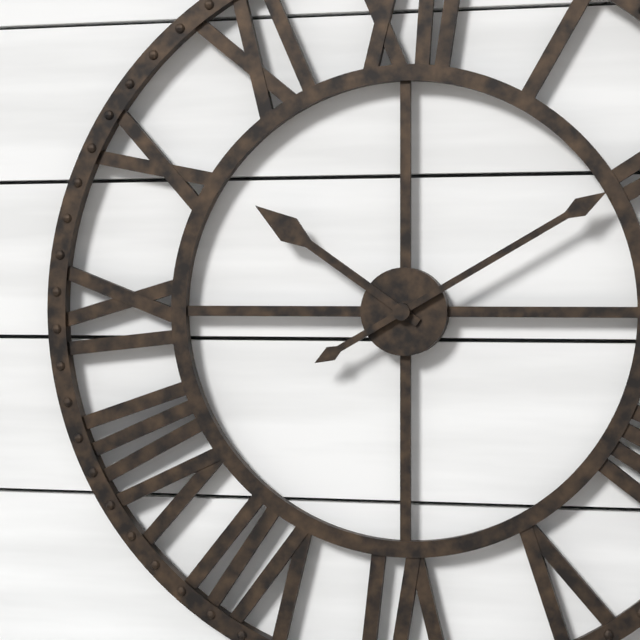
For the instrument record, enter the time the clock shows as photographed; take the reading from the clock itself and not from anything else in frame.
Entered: 10:10
